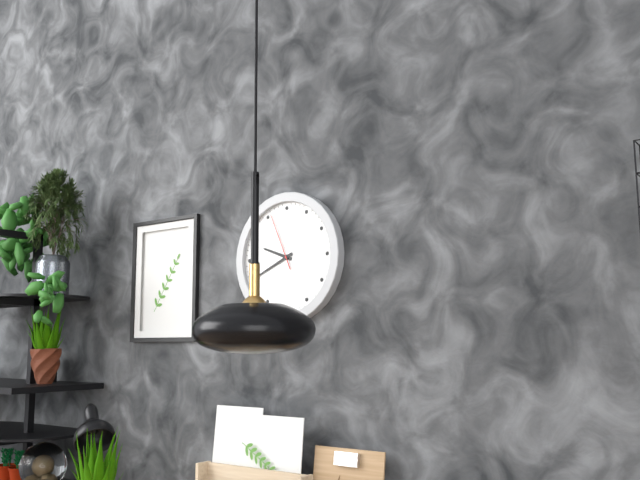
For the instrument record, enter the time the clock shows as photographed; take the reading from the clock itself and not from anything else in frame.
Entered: 9:41:56
